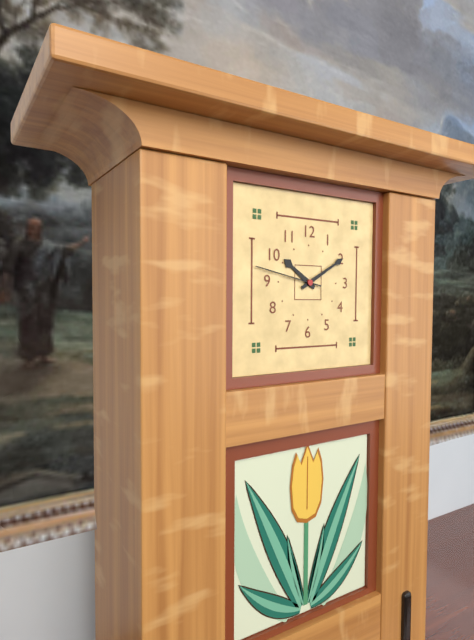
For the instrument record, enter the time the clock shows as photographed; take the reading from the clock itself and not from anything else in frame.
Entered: 10:10:47
